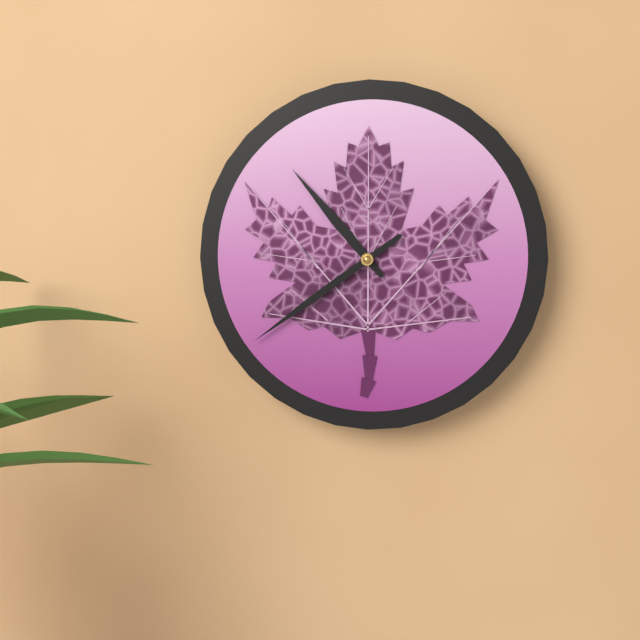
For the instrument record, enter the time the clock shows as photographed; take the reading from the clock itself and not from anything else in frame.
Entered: 10:39
